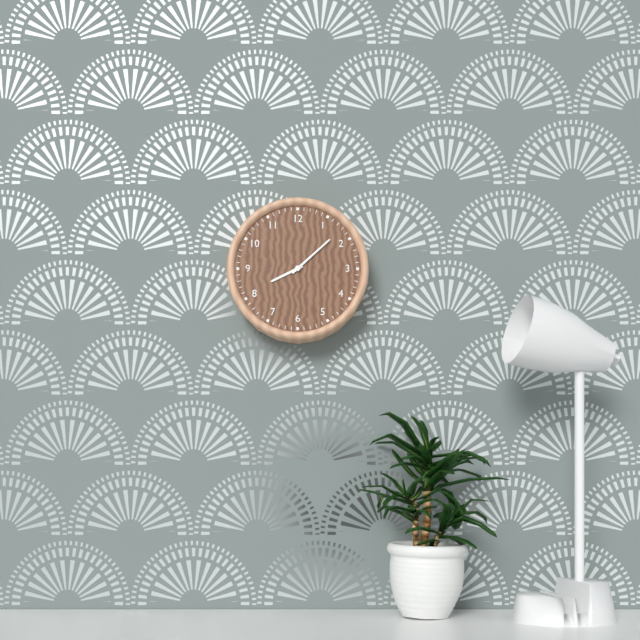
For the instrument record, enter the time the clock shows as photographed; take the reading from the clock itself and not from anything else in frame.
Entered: 8:08
